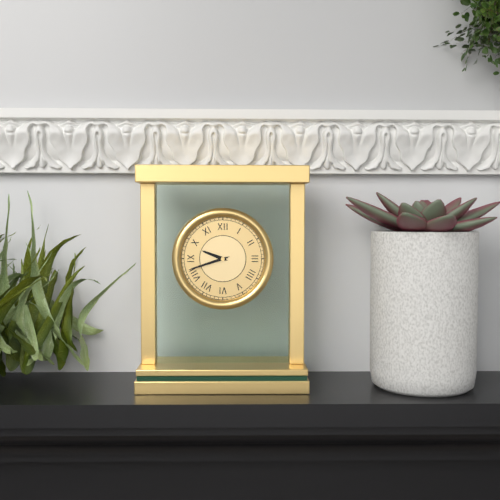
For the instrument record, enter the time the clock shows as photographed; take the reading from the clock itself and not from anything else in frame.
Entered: 9:42
